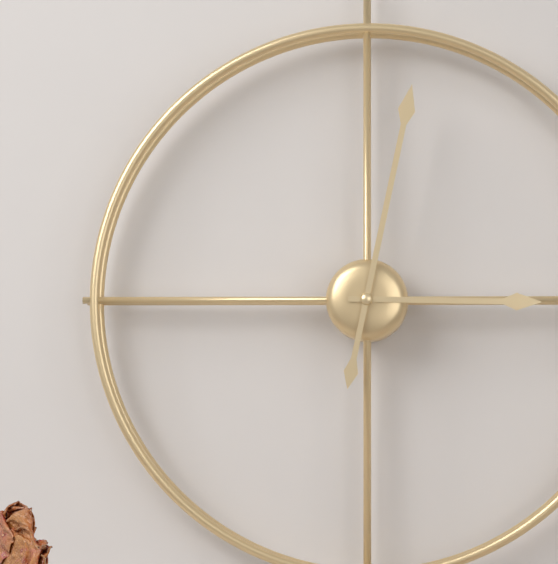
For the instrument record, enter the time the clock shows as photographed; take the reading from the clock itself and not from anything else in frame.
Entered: 3:02
